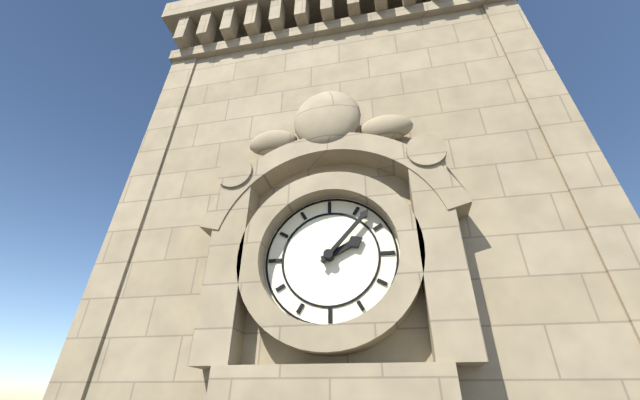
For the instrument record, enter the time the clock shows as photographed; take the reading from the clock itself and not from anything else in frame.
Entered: 2:07
